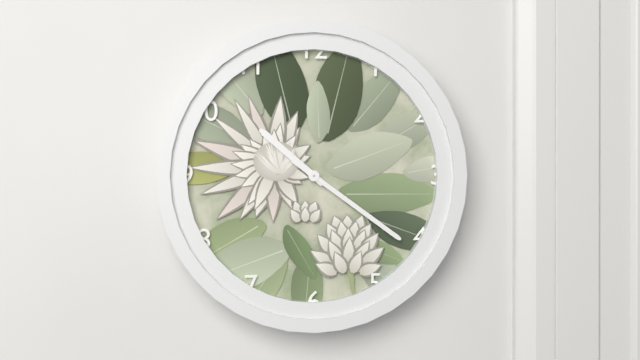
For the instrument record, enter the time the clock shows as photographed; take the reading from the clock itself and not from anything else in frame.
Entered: 10:21
